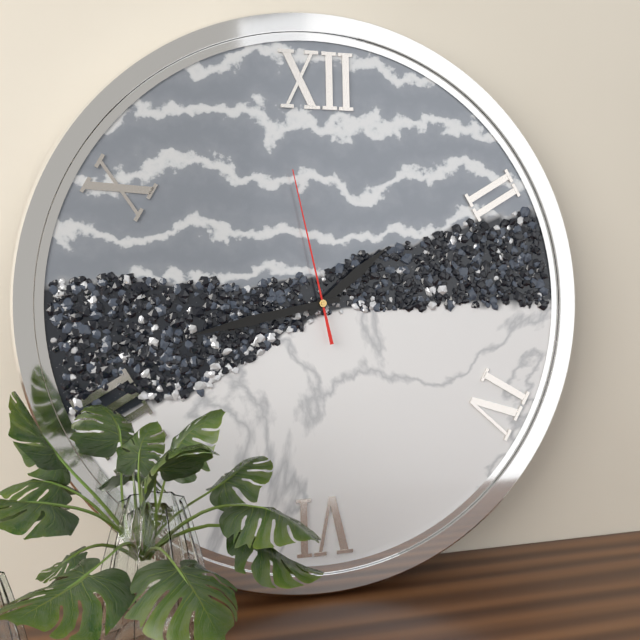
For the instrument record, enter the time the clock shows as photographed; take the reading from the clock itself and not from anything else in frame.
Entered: 1:43:58
